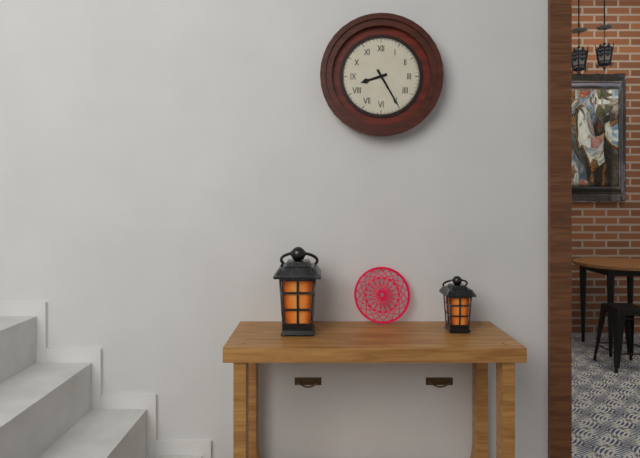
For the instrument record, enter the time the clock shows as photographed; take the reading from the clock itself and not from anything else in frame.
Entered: 8:25
